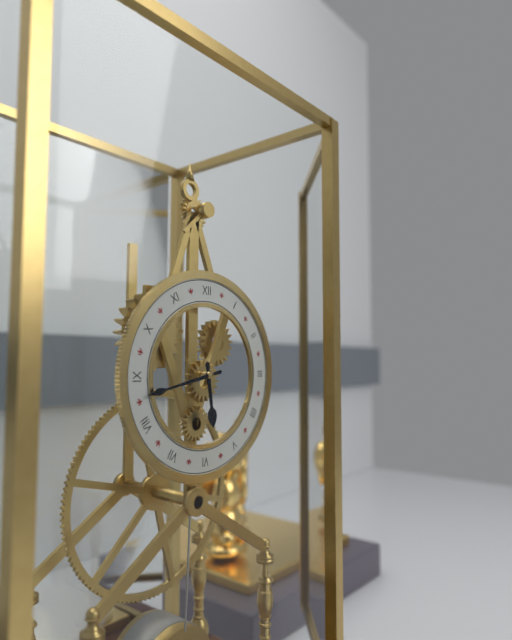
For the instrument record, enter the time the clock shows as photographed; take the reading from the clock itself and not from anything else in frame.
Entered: 5:43
